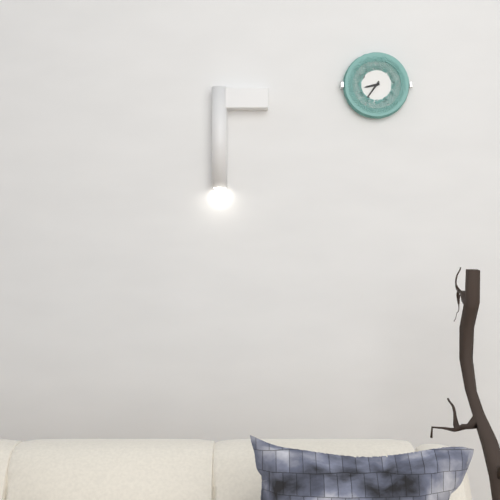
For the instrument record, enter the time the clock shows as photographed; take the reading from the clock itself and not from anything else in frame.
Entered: 8:36
